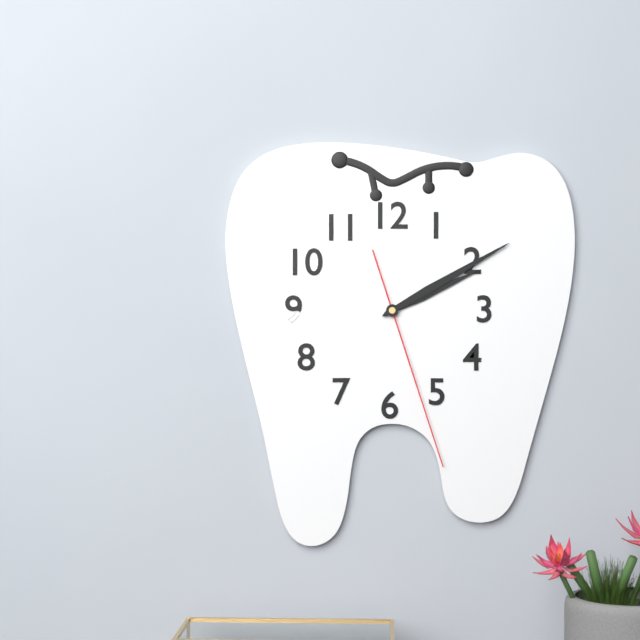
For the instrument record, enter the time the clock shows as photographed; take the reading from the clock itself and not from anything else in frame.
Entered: 2:10:27
